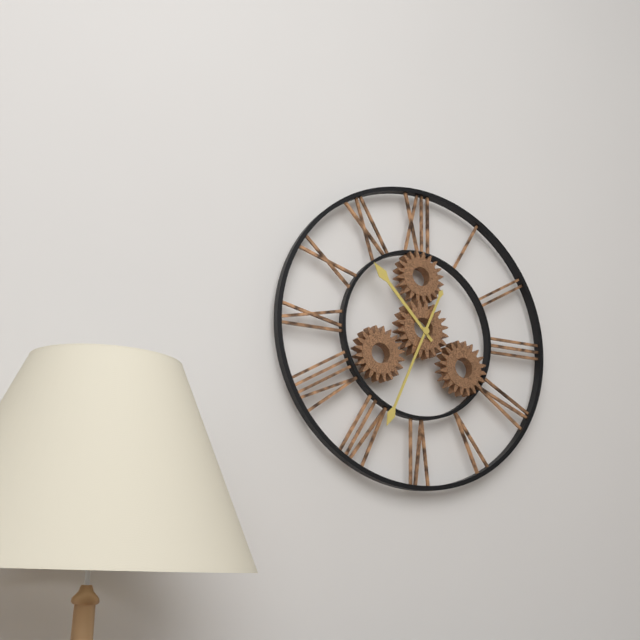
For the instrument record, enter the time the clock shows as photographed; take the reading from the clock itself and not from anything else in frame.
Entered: 10:34
